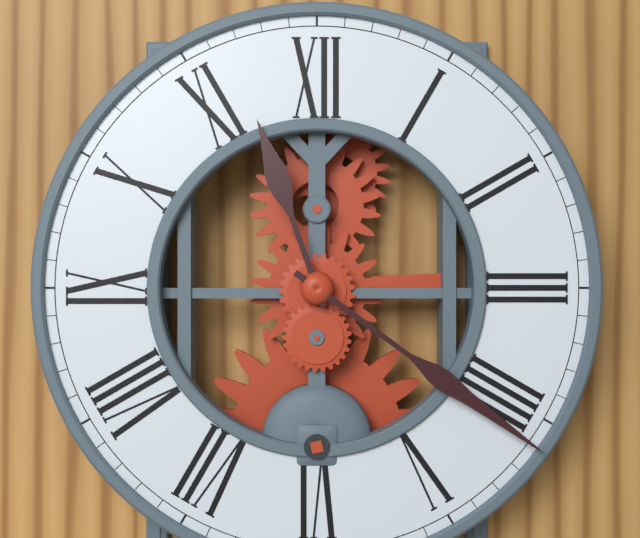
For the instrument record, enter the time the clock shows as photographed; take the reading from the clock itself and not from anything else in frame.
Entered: 11:21
